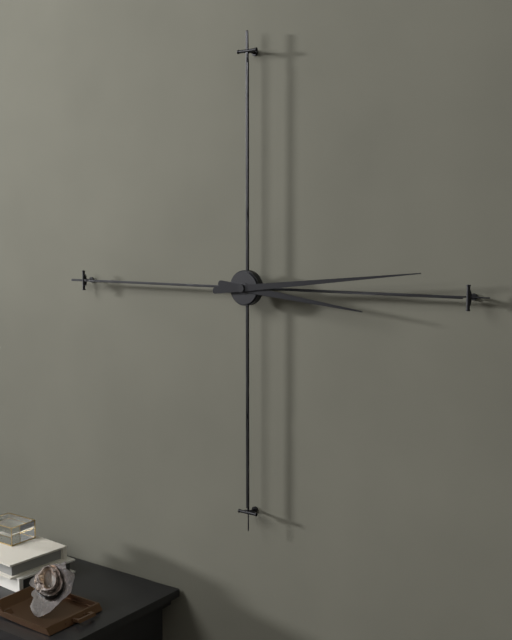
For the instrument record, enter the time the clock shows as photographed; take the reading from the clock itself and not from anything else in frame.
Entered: 3:14
